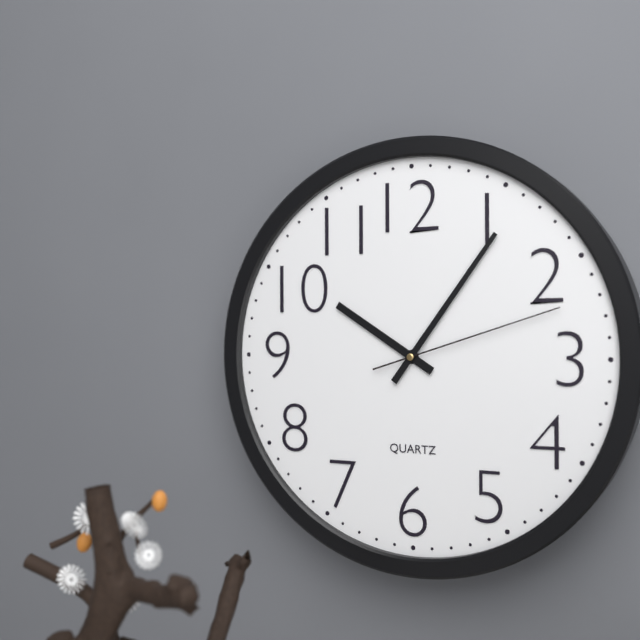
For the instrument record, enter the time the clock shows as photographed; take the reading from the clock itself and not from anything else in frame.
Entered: 10:06:12
